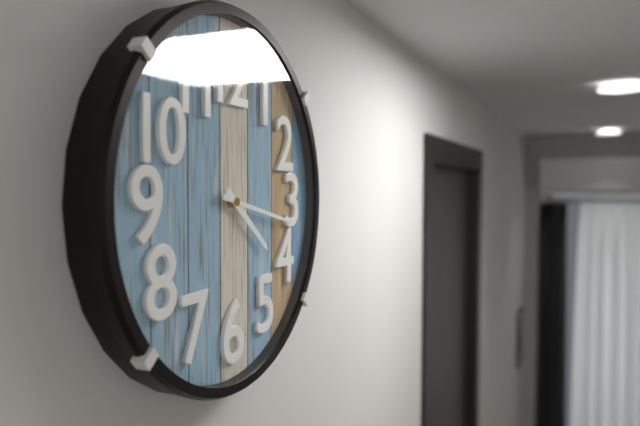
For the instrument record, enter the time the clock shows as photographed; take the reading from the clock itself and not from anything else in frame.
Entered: 4:17
